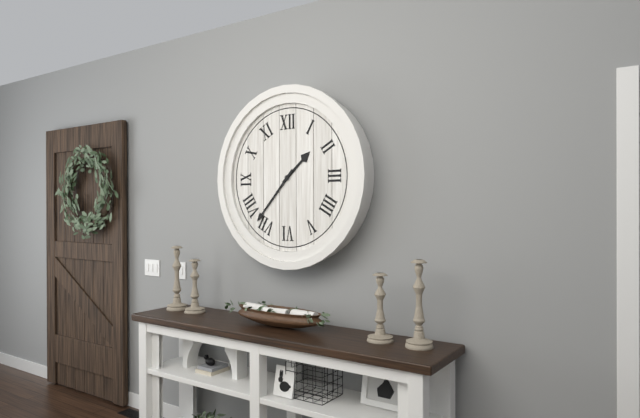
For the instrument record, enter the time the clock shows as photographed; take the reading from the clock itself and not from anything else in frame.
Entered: 1:37
